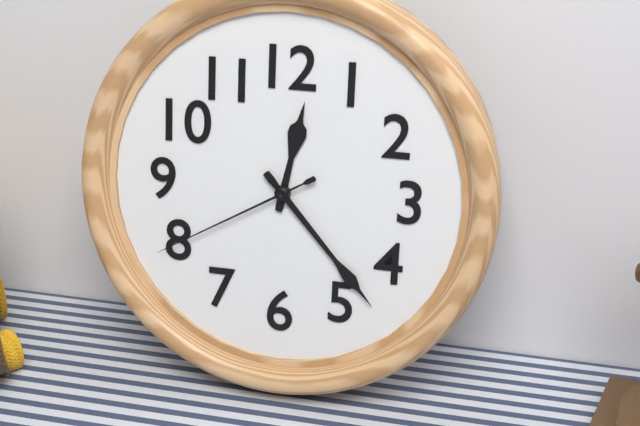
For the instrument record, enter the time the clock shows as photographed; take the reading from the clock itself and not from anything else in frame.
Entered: 12:23:40
